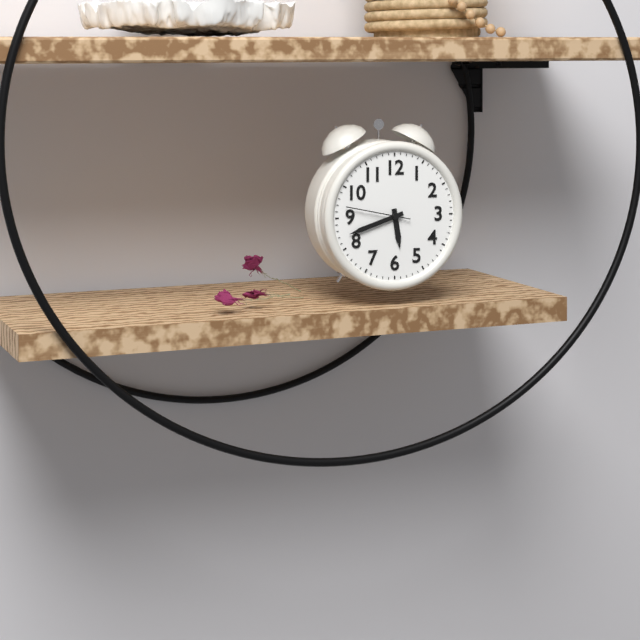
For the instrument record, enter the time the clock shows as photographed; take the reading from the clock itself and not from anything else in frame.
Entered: 5:42
